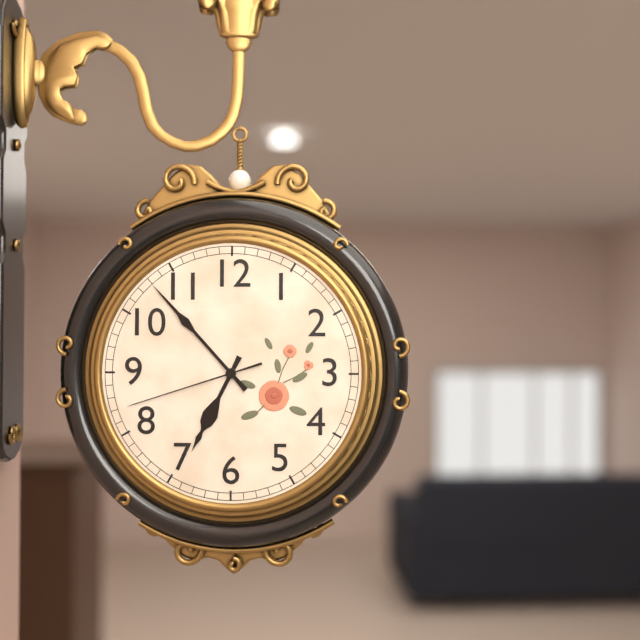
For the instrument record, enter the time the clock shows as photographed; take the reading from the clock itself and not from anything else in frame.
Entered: 6:53:42
